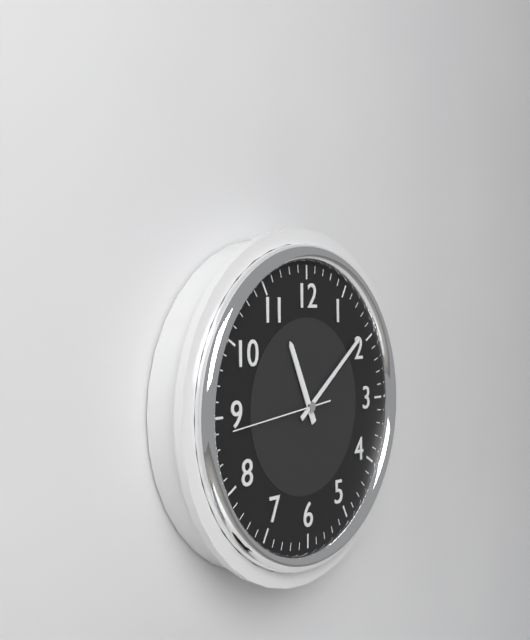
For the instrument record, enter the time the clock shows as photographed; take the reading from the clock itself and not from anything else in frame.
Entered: 11:09:44
